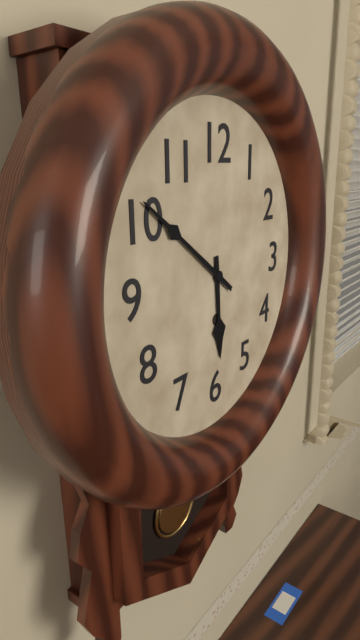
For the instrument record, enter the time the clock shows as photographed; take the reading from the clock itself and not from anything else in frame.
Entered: 5:51
